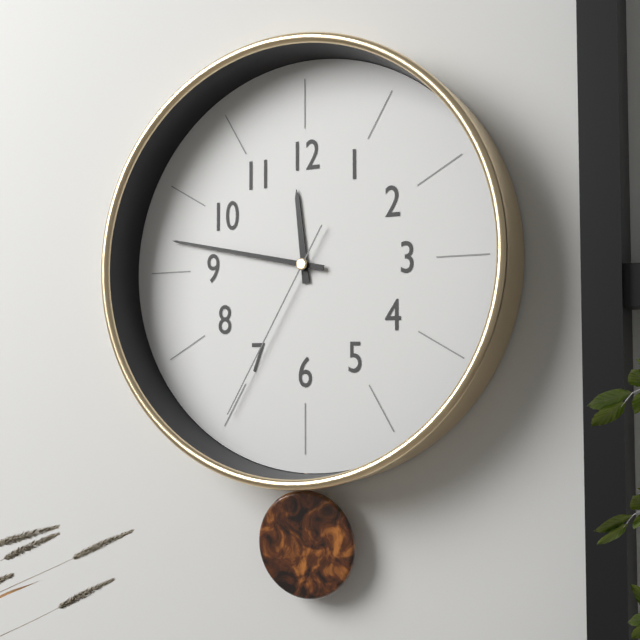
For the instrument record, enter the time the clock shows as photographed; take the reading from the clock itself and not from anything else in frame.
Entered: 11:47:35
